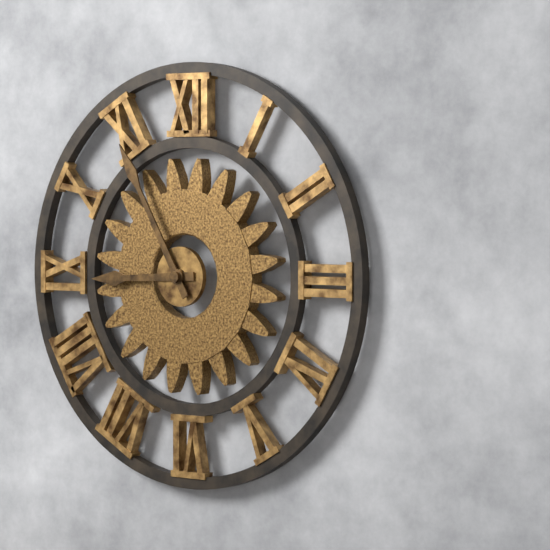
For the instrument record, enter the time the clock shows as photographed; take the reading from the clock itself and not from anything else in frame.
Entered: 8:55
